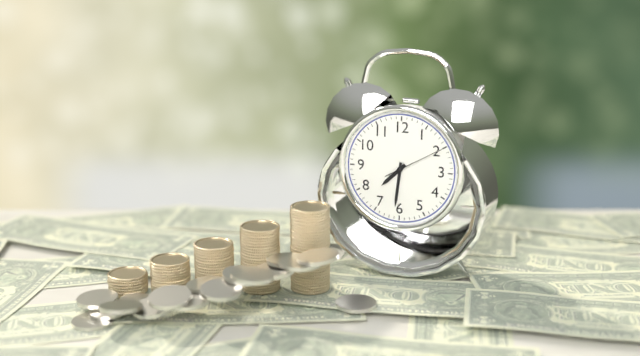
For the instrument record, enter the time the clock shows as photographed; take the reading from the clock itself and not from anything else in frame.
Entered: 7:31:10
